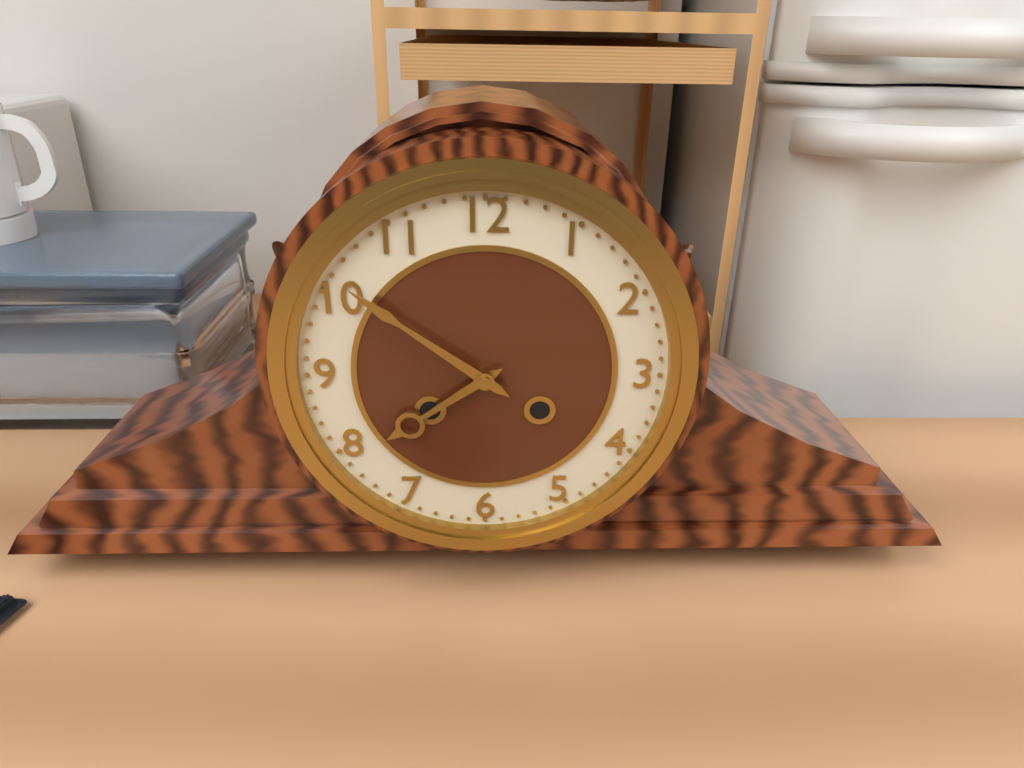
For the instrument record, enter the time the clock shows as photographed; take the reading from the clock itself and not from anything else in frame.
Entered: 7:51
